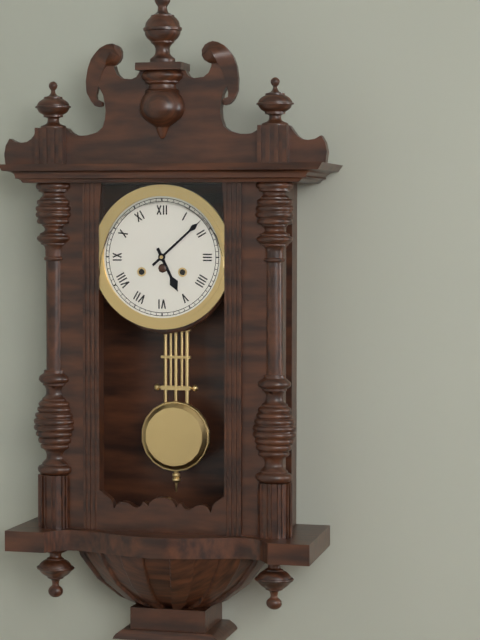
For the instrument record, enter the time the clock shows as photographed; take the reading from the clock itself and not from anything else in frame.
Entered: 5:08
